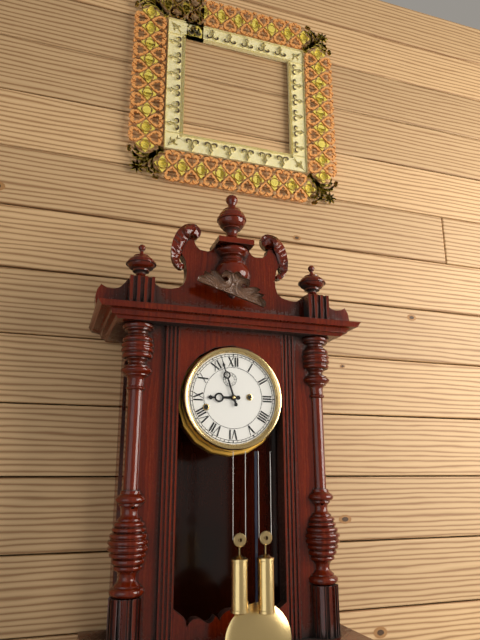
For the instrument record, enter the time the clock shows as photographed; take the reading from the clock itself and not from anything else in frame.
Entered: 8:57
